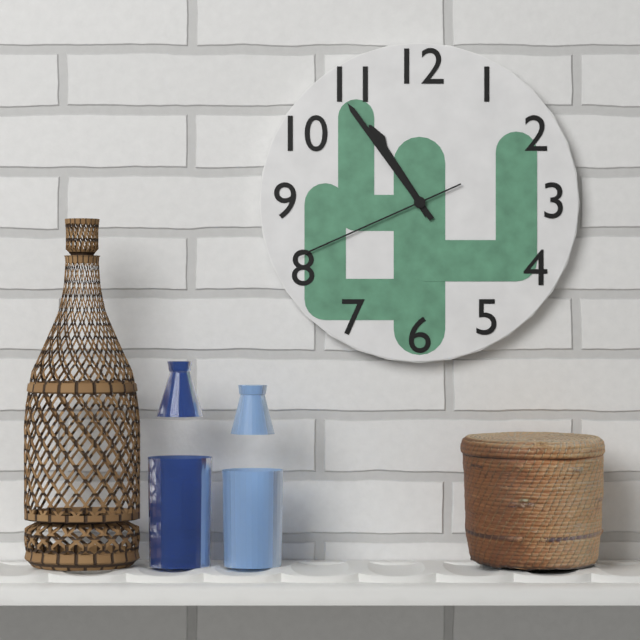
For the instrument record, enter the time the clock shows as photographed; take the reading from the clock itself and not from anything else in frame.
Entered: 10:54:41
